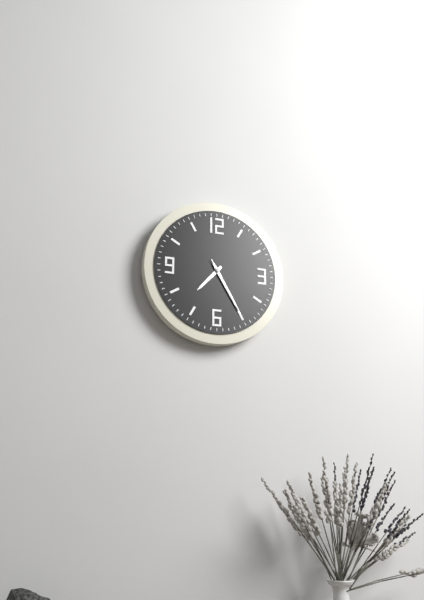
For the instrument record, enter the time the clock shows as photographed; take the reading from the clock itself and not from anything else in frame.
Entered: 7:25:25
